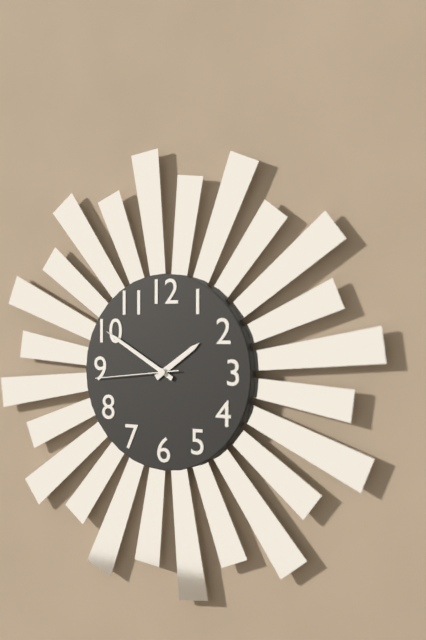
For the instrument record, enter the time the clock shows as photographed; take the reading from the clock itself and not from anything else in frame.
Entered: 1:50:44
